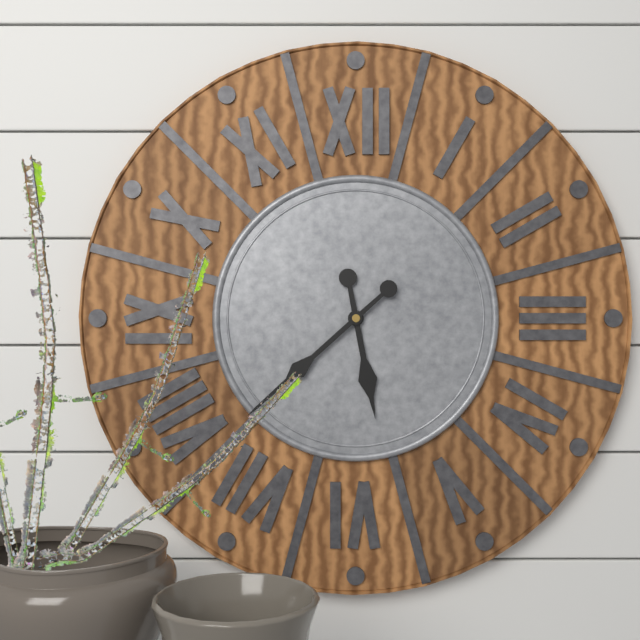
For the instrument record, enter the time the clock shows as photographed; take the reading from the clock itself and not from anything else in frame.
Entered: 5:38
